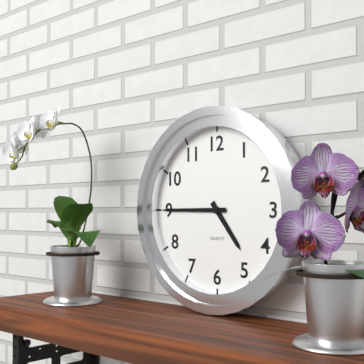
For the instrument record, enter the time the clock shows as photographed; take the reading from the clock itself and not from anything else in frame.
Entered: 4:45
